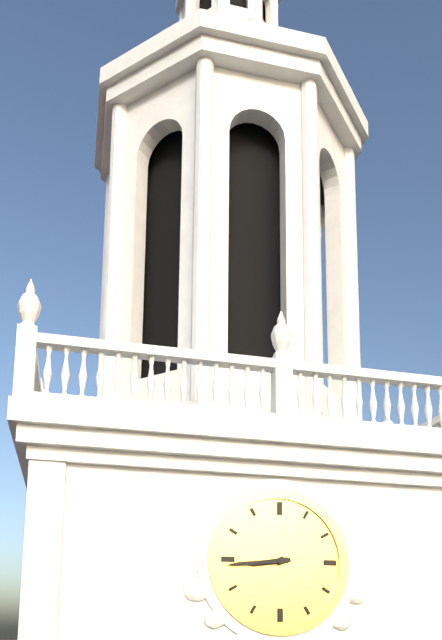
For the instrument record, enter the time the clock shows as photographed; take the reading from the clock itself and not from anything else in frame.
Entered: 8:44
